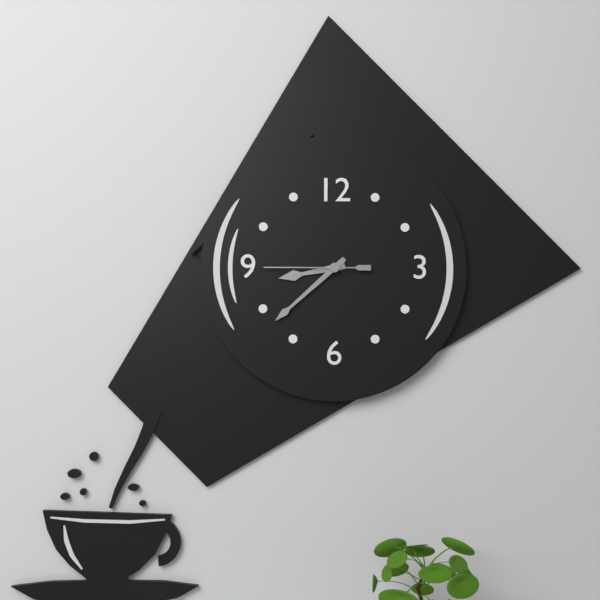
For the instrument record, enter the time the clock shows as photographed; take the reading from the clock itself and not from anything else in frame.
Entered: 8:38:45
